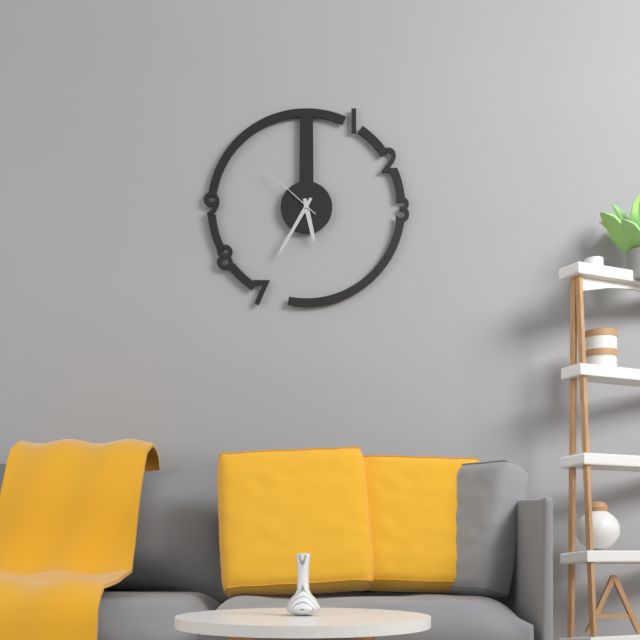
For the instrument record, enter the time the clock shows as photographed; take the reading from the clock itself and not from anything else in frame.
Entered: 5:35:52
